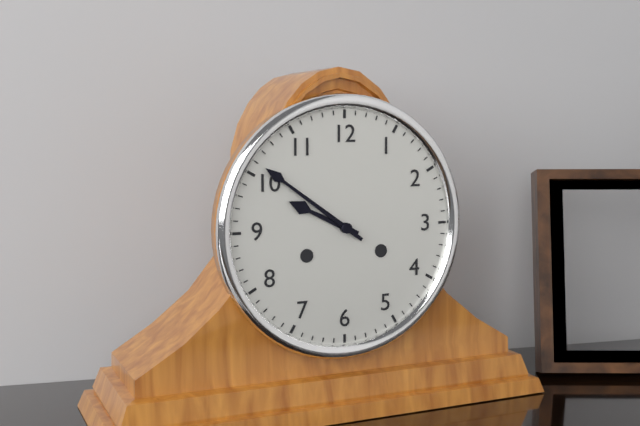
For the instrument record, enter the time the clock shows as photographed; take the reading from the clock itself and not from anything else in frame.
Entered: 9:51
